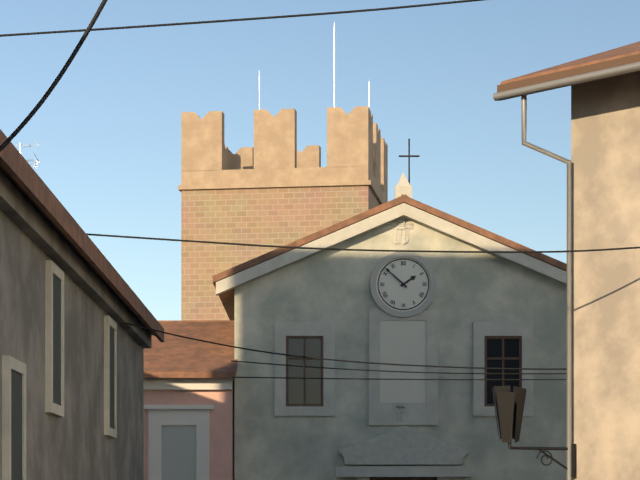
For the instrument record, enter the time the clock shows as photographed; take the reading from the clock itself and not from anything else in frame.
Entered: 1:52
